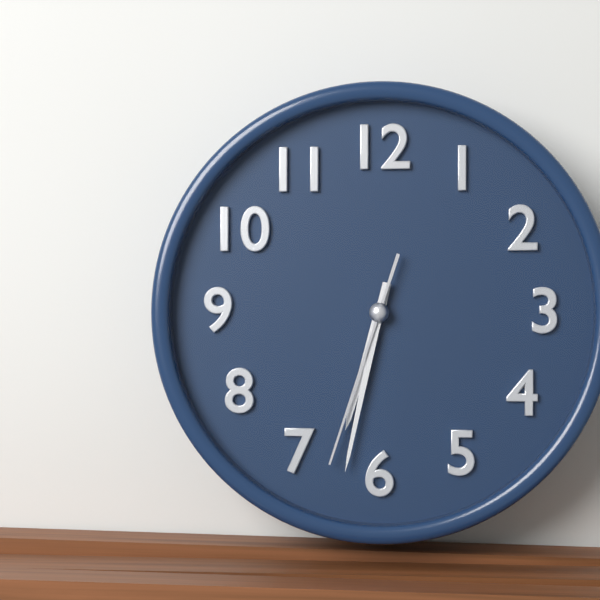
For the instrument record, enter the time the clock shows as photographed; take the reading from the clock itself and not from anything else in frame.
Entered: 6:32:33
